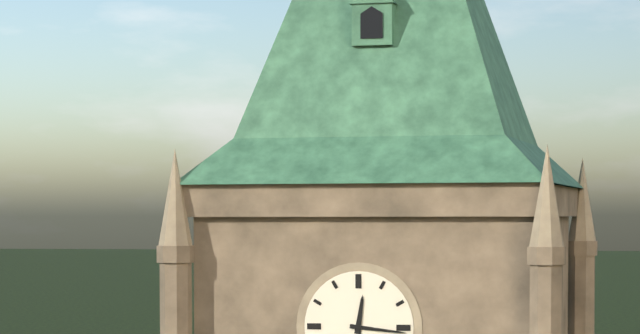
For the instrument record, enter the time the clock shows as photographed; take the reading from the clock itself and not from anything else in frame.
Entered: 12:16
